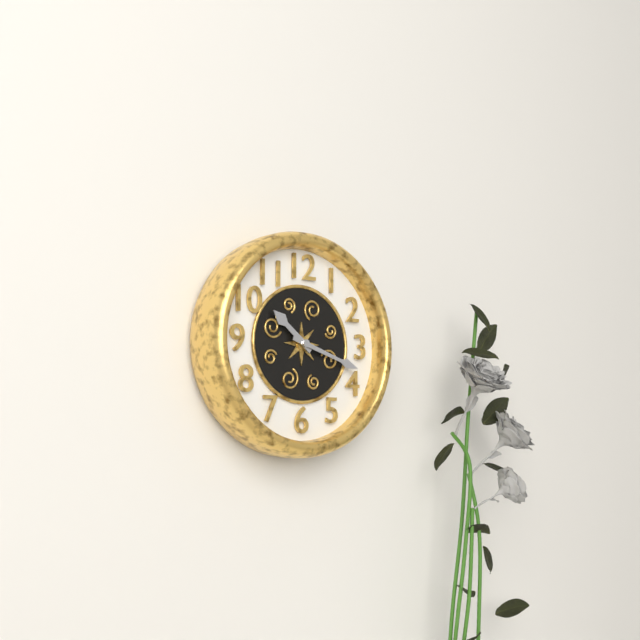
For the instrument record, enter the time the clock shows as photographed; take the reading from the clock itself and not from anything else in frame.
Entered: 10:18
